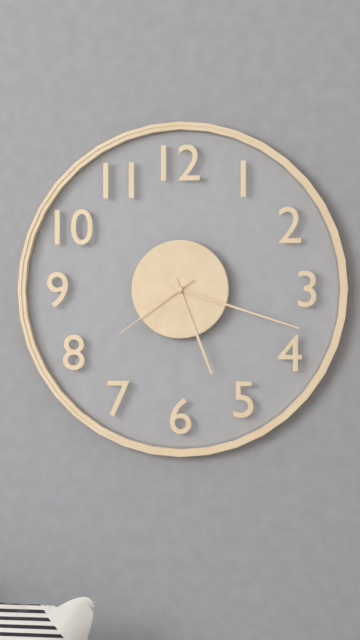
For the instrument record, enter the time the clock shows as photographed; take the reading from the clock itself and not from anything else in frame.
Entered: 5:18:39
